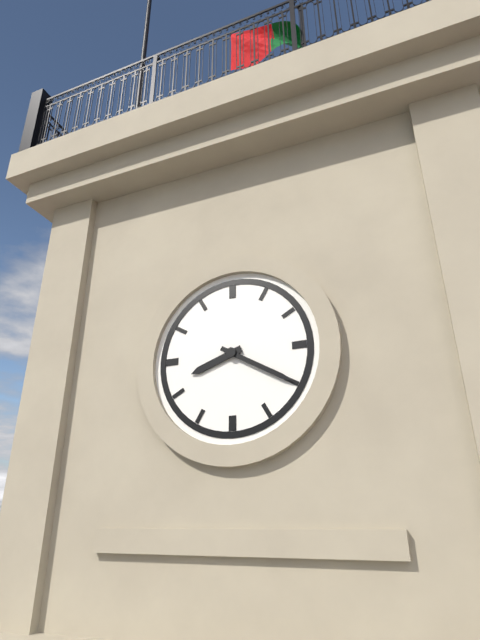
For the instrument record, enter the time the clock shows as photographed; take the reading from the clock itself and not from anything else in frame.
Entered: 8:20
